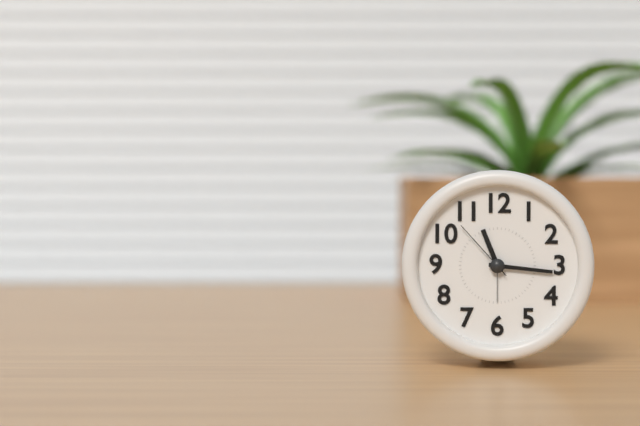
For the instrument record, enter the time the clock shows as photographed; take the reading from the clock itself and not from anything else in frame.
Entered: 11:16:53
